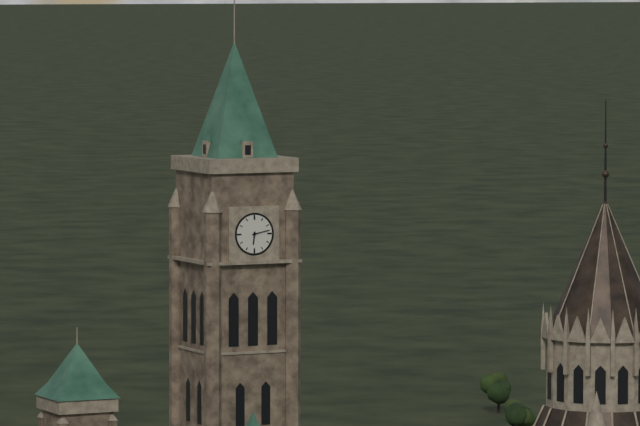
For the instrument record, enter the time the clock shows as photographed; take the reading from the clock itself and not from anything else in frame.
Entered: 6:13
